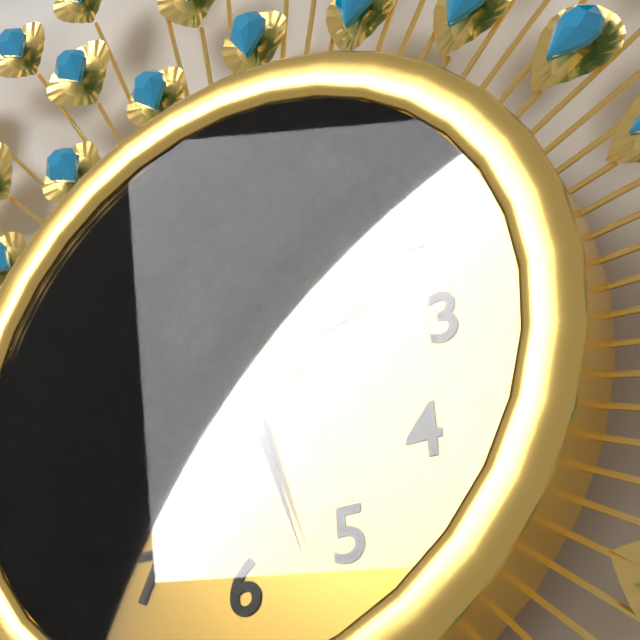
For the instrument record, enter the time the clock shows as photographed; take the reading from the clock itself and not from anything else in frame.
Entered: 2:27:46
